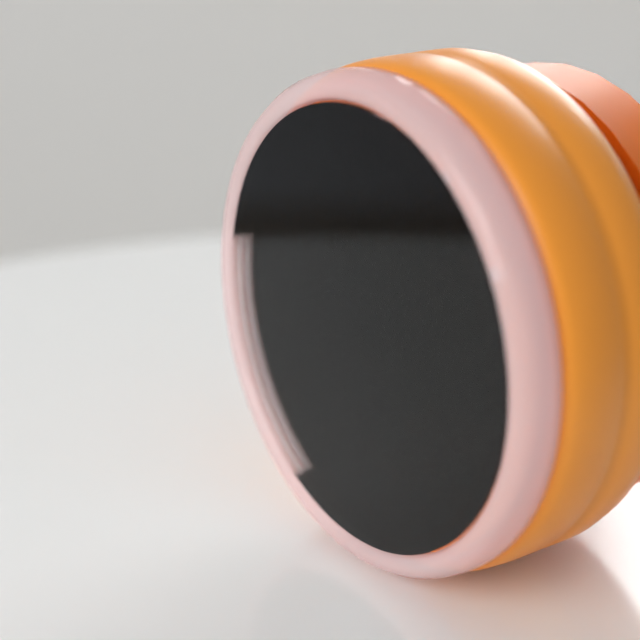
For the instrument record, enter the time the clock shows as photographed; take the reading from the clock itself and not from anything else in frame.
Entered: 11:00:02
